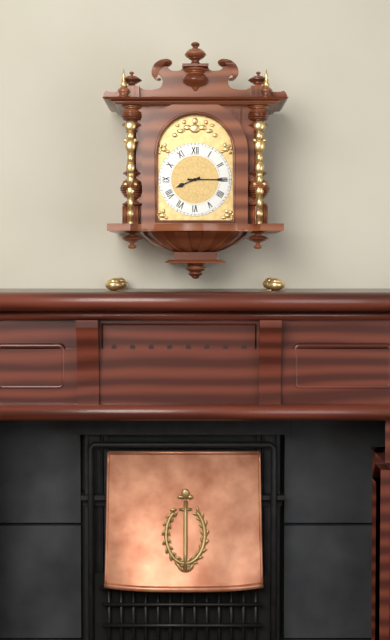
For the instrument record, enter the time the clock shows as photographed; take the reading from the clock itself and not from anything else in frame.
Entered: 8:15
